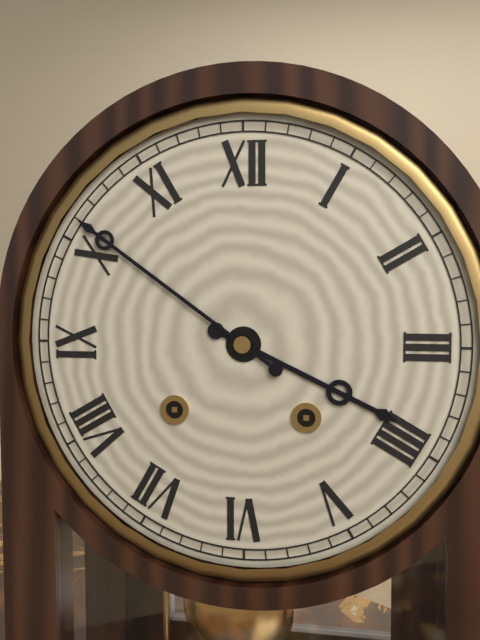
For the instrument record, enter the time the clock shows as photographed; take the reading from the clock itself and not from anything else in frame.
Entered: 3:51
